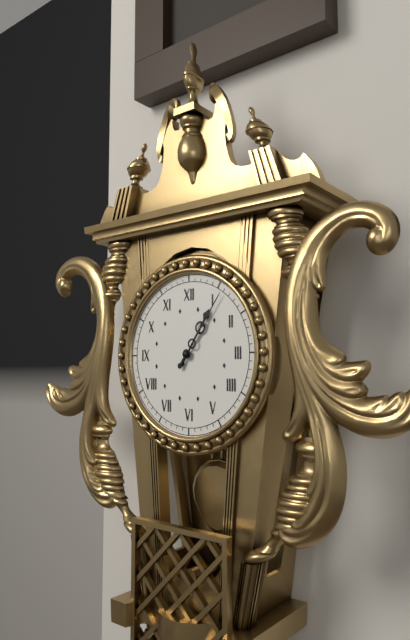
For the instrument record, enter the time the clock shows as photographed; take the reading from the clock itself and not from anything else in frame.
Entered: 1:06
